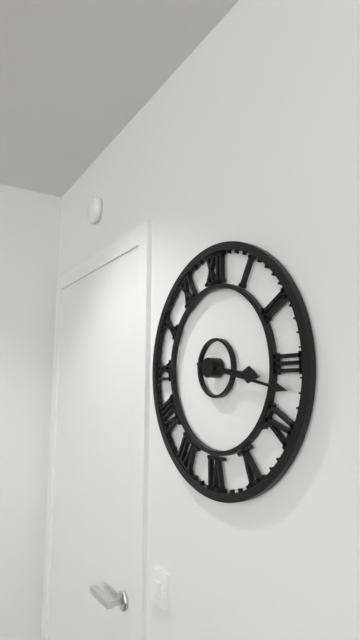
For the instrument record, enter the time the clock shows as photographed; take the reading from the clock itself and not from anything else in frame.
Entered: 3:17
